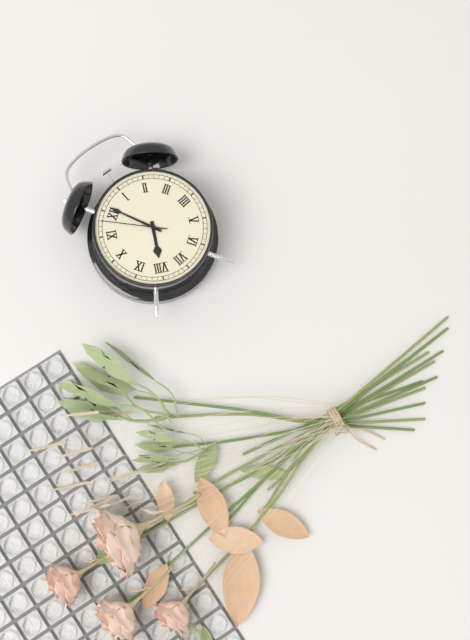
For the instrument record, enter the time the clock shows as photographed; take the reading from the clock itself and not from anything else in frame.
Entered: 8:01:58
